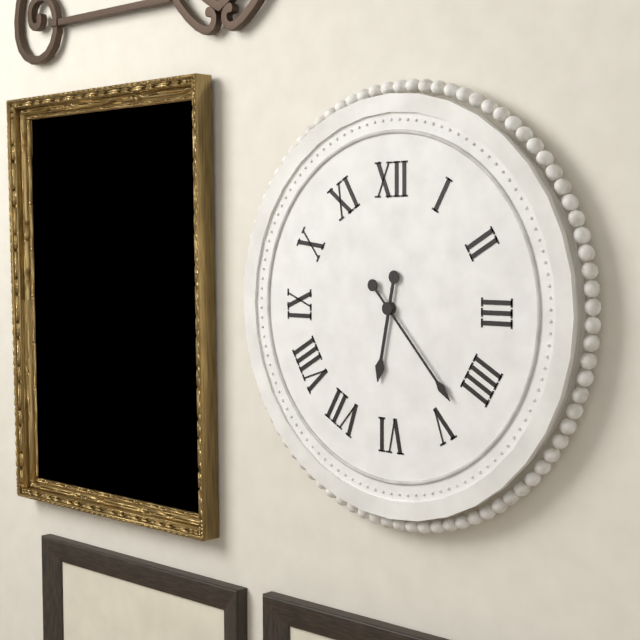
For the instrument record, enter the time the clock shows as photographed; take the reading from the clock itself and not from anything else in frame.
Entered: 6:23
